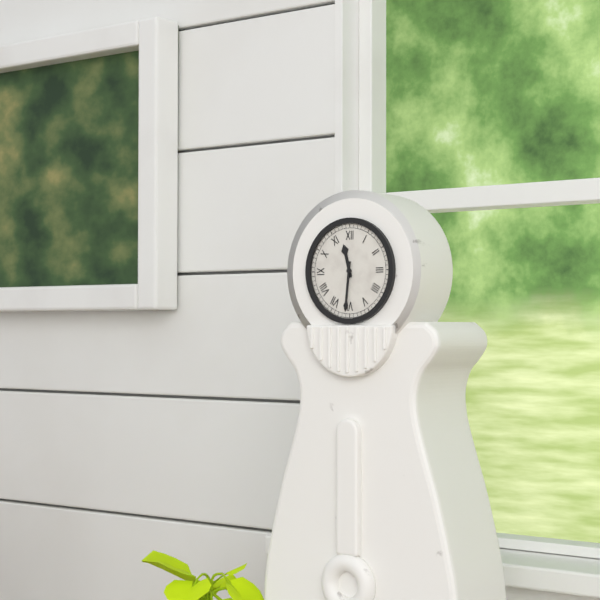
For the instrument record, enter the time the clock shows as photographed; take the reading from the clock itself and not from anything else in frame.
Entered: 11:31
